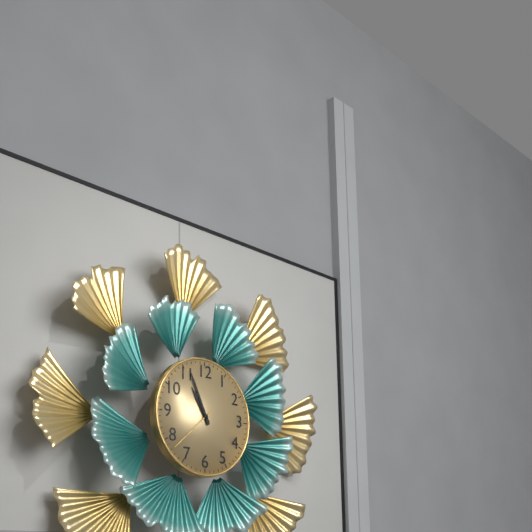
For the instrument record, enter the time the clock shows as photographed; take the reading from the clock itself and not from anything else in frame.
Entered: 10:56:38
